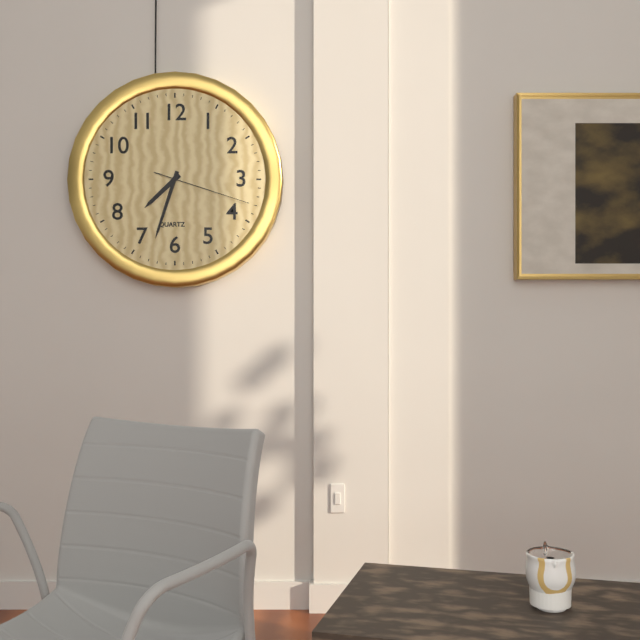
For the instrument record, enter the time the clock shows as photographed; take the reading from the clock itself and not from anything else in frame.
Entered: 7:33:18
